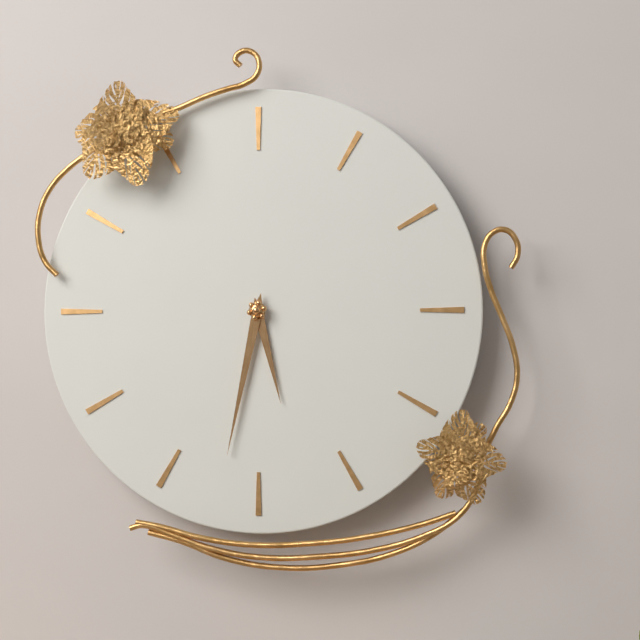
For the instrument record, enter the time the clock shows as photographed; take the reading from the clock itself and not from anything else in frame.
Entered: 5:32
